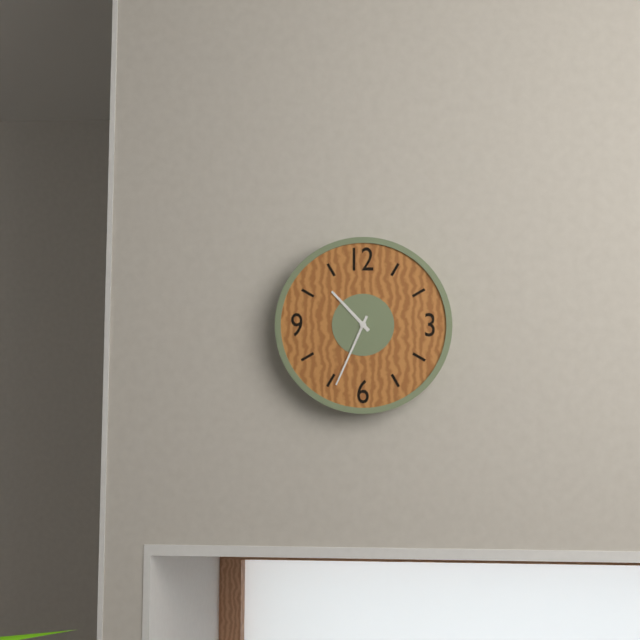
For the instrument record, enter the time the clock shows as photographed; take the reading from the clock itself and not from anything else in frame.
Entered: 10:34
